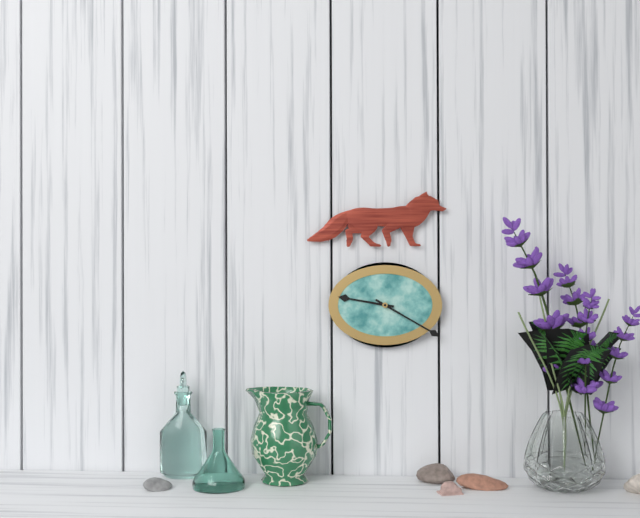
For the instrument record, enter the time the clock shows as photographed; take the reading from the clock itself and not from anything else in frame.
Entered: 9:20
